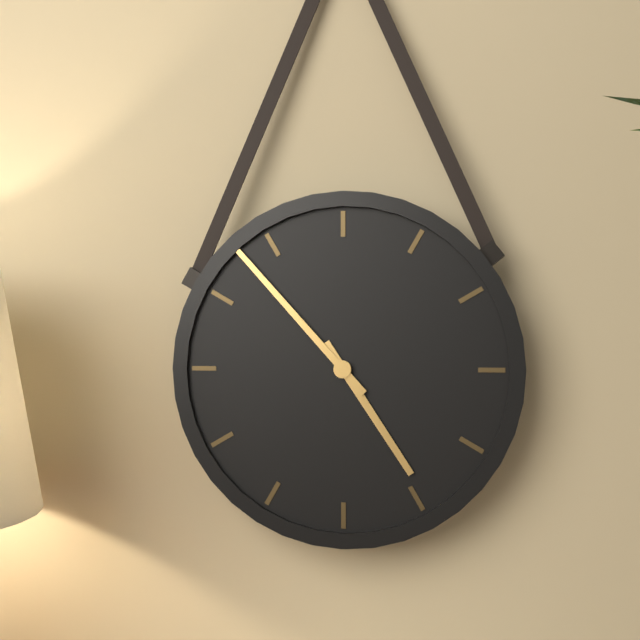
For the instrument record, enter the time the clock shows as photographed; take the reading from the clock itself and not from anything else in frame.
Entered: 4:53
